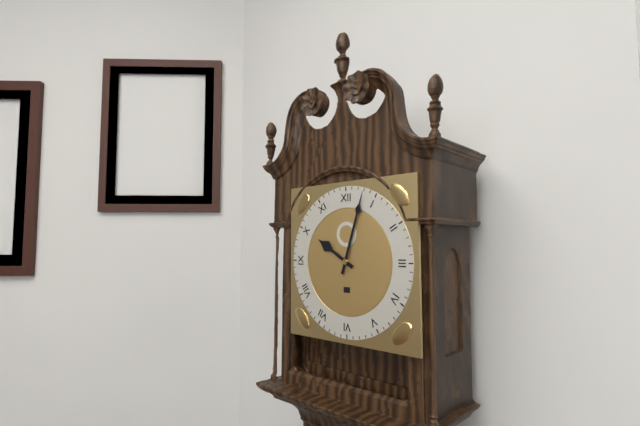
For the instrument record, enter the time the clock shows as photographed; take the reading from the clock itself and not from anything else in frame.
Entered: 10:03
